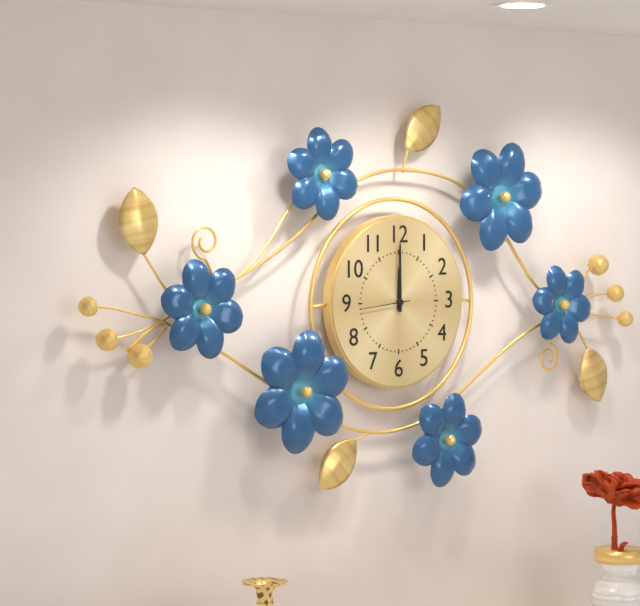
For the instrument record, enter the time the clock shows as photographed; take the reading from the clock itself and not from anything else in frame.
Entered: 12:00:44
